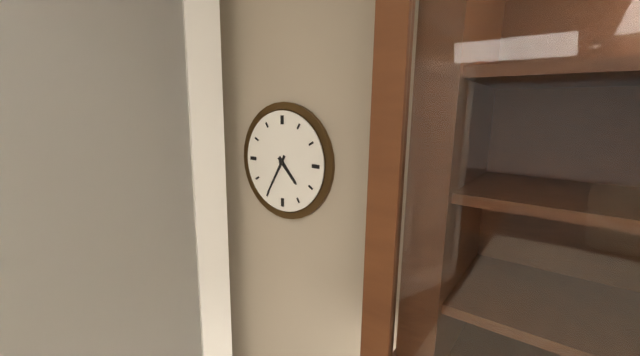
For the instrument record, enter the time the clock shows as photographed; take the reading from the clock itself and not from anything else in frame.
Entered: 4:35
